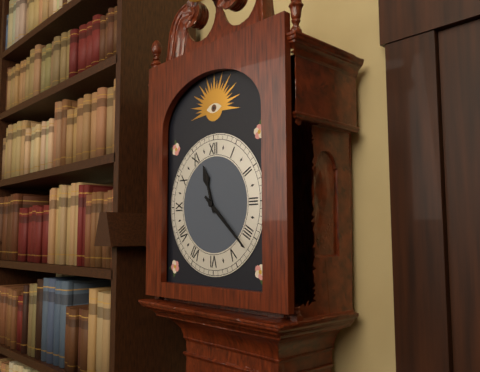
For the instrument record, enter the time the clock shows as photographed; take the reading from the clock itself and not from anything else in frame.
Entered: 11:22
